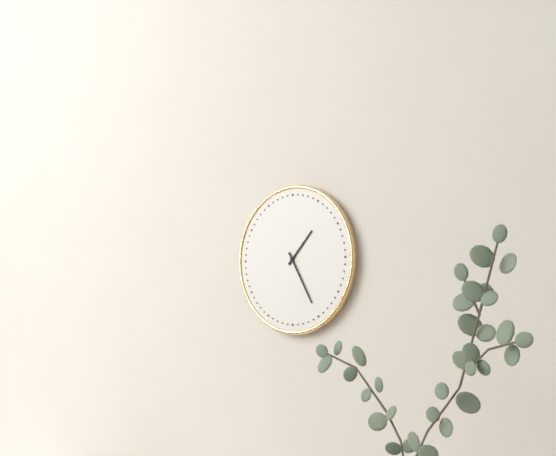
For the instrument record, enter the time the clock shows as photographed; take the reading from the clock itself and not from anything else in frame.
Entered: 1:25
